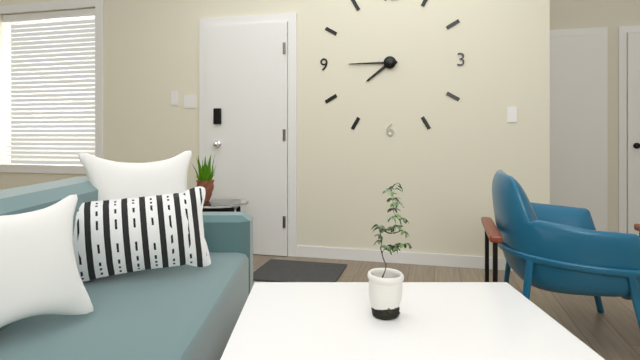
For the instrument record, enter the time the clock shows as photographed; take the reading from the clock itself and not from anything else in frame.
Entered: 7:45
